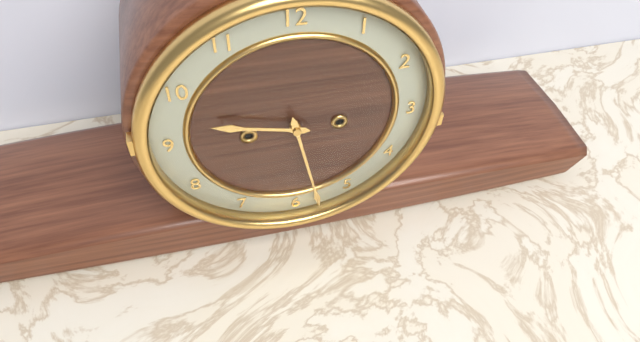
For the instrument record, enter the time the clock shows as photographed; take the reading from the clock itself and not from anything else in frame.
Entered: 9:28
